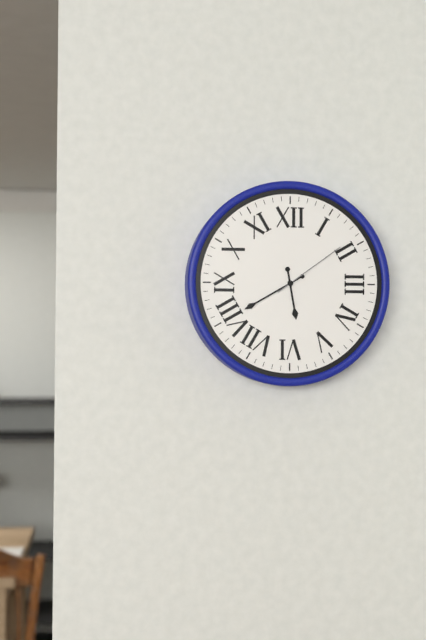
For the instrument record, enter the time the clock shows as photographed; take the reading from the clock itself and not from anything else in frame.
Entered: 5:40:09
